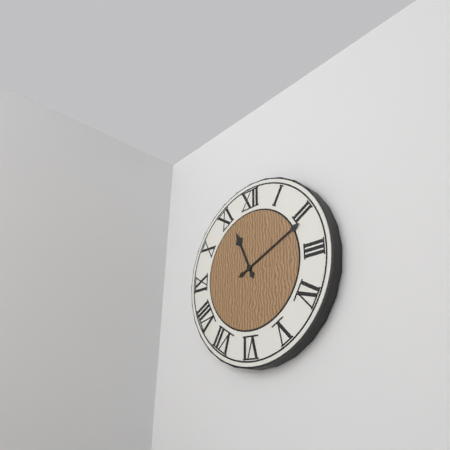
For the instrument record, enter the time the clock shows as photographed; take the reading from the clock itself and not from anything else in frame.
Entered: 11:11
